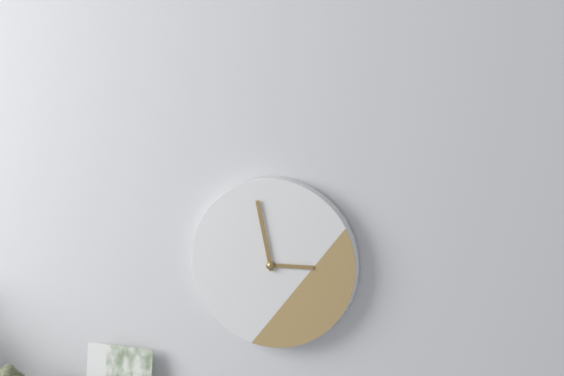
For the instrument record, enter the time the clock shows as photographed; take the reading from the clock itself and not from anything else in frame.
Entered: 2:58
